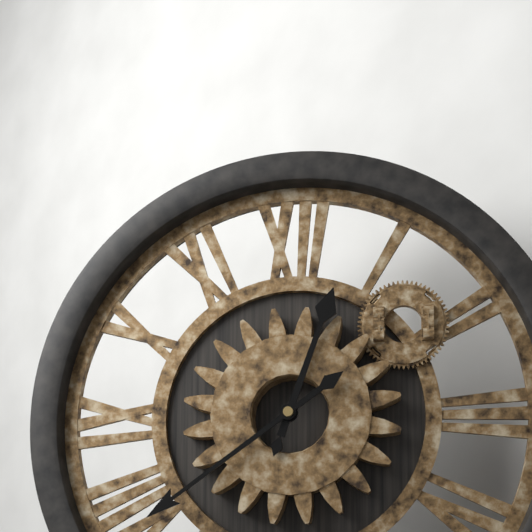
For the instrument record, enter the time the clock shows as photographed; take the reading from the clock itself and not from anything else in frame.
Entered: 12:39
